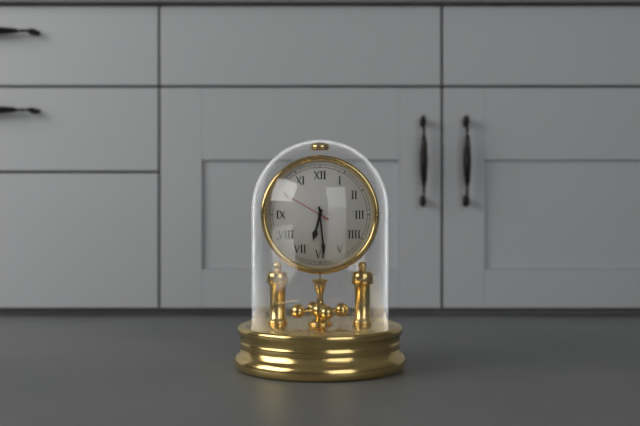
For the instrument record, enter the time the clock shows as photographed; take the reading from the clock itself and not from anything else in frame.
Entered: 6:29:50
